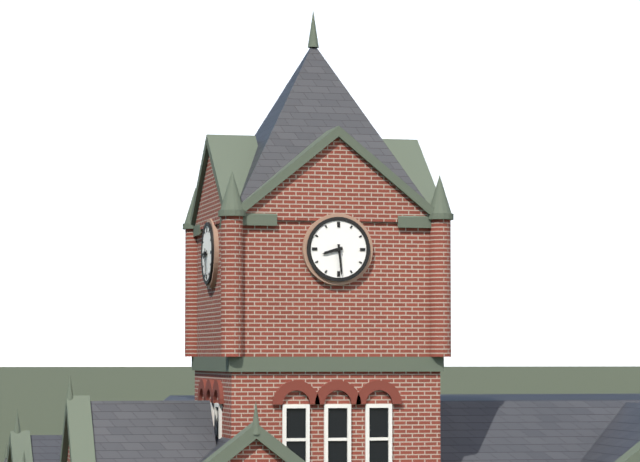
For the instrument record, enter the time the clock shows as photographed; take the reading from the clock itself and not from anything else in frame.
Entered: 8:29
